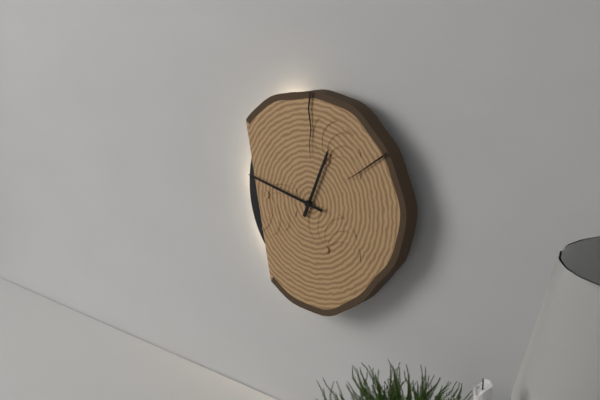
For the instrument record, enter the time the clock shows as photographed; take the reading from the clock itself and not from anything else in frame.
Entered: 12:47
